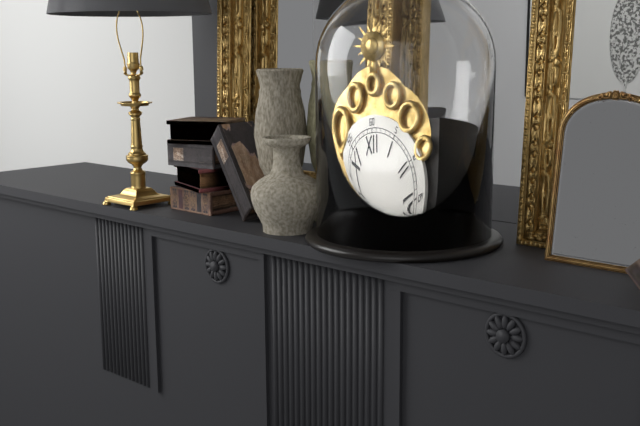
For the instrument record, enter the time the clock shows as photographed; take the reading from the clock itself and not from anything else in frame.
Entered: 5:38
